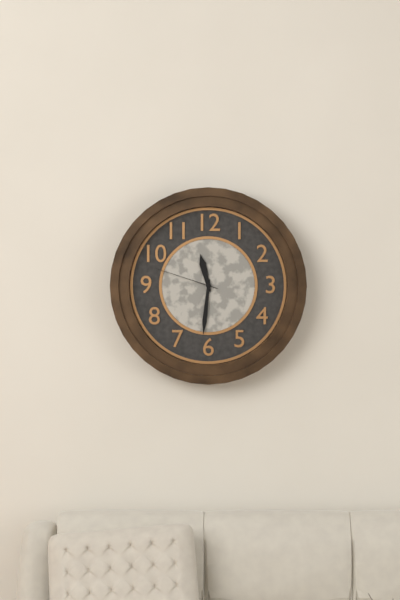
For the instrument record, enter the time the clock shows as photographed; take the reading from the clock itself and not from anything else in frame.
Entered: 11:31:48
